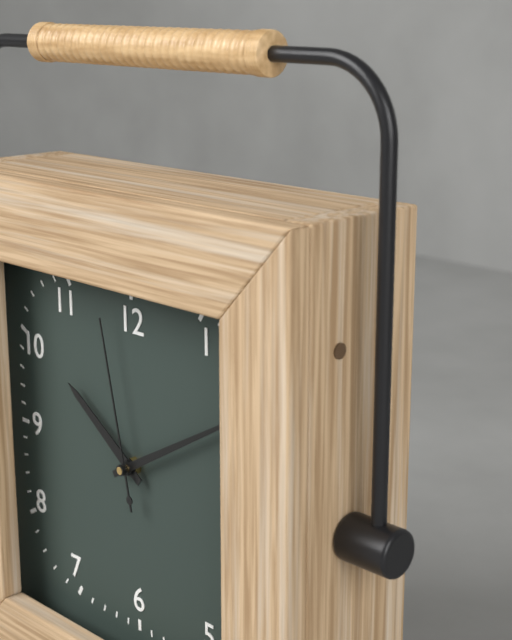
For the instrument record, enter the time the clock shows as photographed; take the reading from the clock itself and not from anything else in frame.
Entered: 10:10:58
